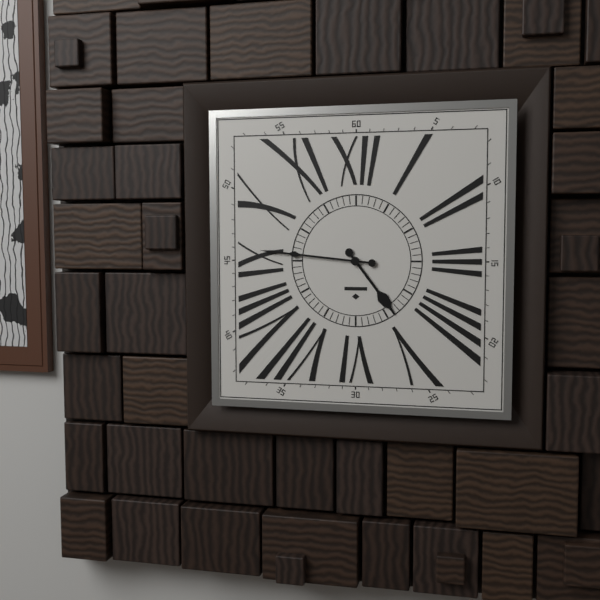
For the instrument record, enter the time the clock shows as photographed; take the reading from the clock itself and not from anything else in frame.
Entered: 4:46
